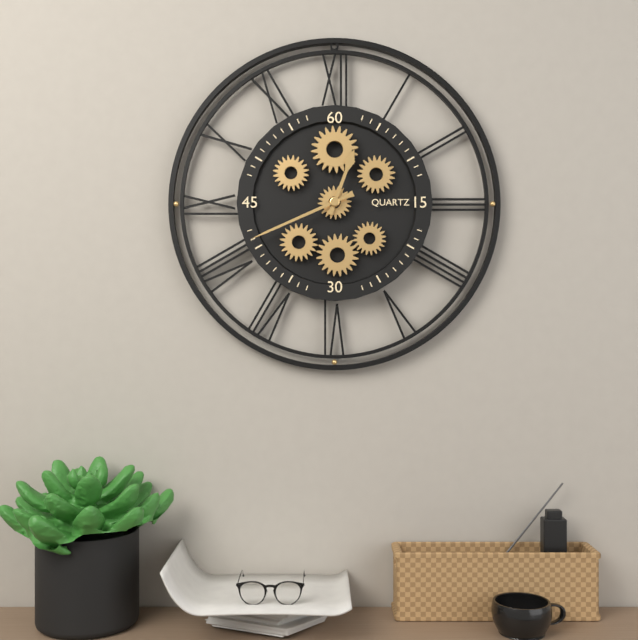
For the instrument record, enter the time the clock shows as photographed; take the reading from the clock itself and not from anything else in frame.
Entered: 12:41
